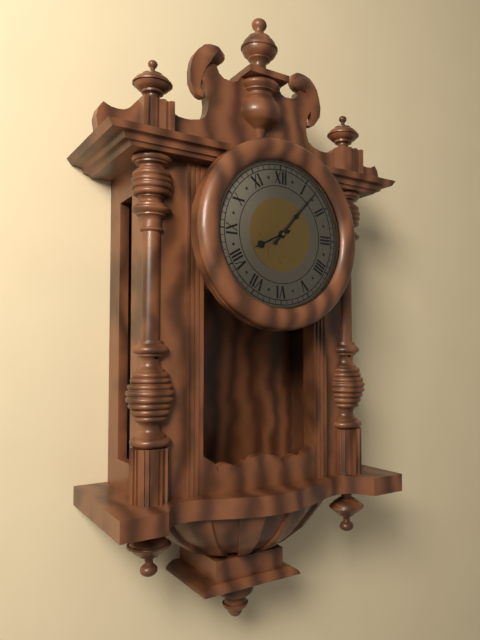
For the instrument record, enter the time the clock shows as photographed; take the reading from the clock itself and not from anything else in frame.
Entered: 8:07
